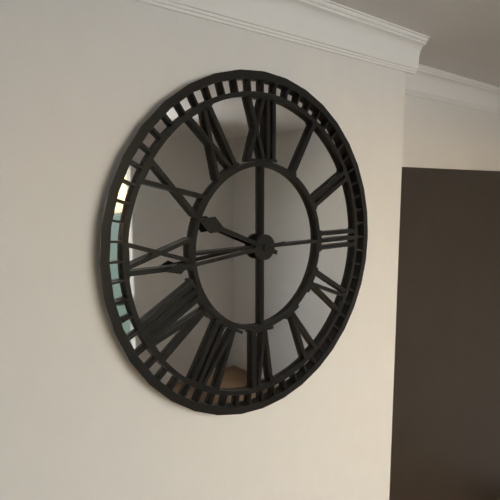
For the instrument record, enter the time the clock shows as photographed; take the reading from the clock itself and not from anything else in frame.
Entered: 9:44
